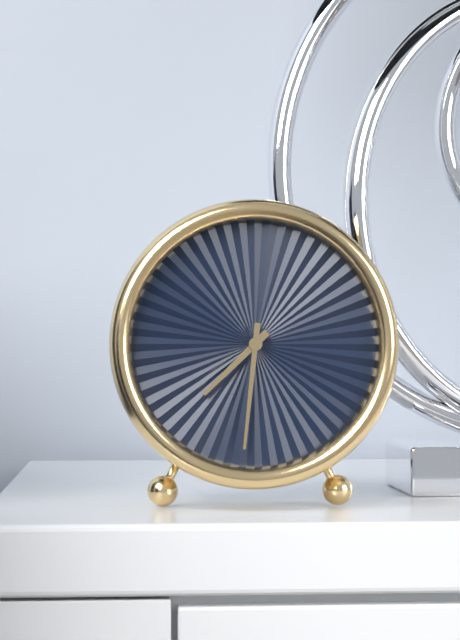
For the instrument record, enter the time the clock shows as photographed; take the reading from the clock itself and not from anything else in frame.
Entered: 7:31
